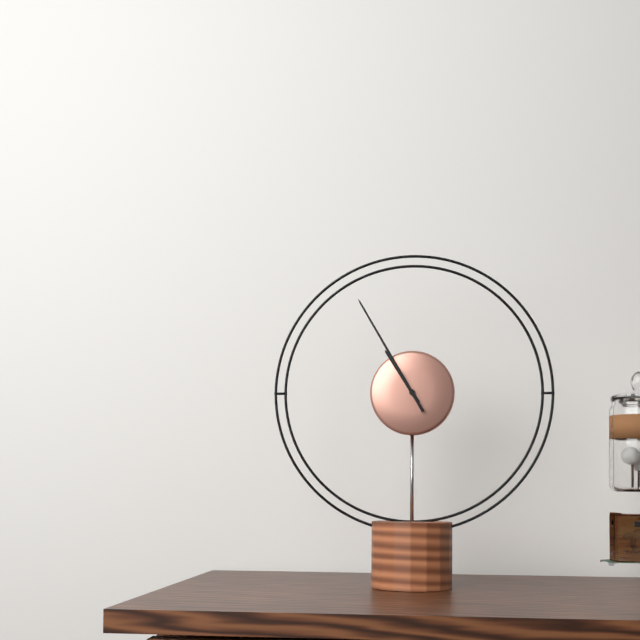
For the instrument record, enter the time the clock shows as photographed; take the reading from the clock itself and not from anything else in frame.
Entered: 10:55
